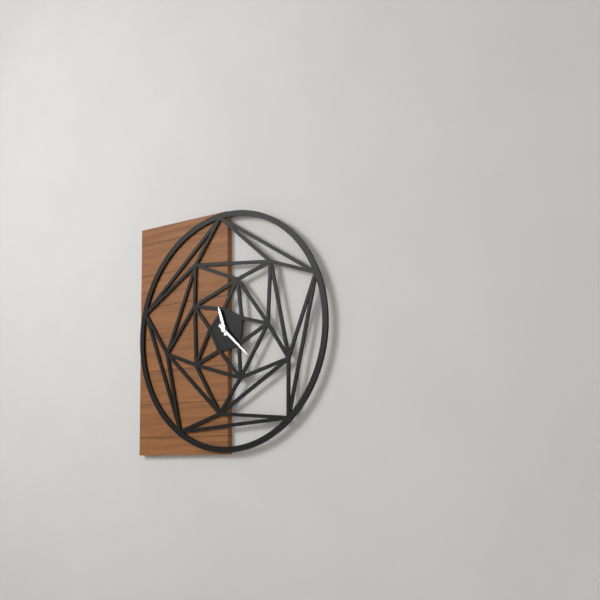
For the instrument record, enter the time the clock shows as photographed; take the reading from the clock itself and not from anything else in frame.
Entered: 11:22
